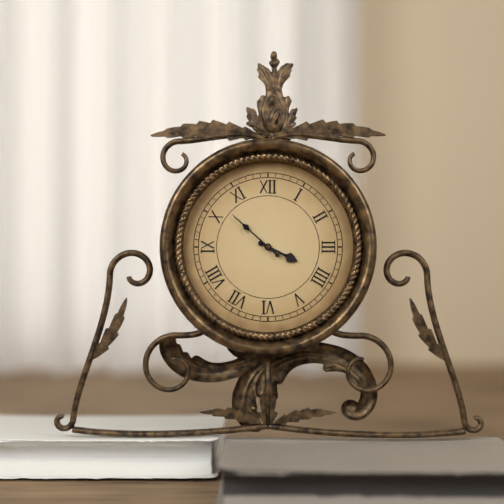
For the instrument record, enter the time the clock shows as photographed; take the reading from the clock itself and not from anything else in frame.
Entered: 3:52
